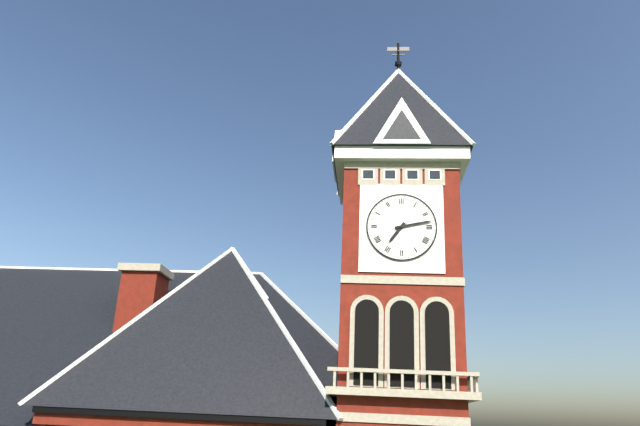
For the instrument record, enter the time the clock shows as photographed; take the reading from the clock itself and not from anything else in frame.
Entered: 7:13
